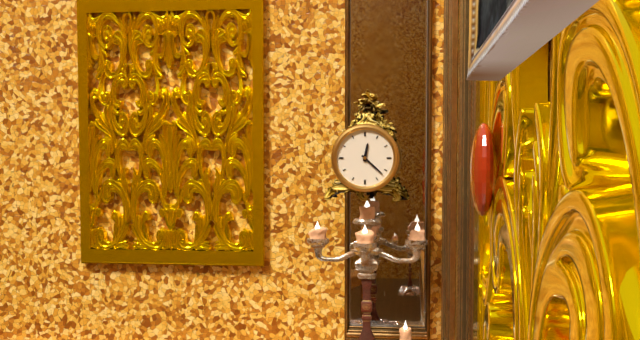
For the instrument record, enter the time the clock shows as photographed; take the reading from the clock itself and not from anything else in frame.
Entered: 12:22
